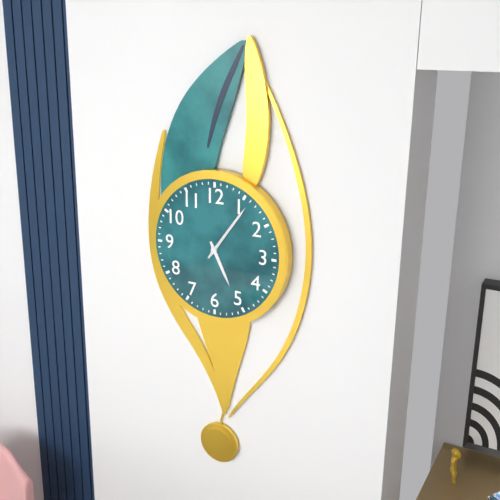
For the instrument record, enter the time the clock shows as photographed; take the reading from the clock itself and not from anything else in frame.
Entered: 5:06
